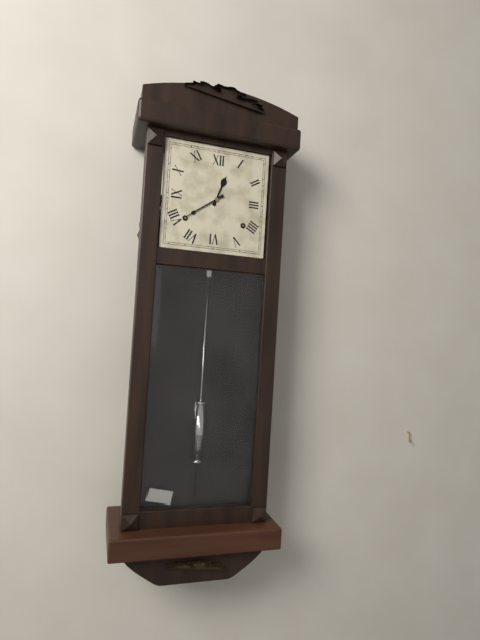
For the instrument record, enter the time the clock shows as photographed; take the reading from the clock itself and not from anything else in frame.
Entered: 12:39
